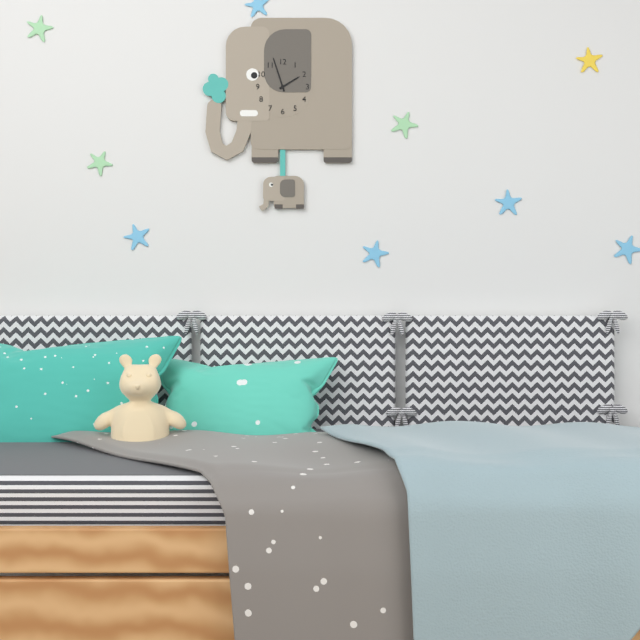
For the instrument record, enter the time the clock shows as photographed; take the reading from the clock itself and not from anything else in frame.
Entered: 1:57
